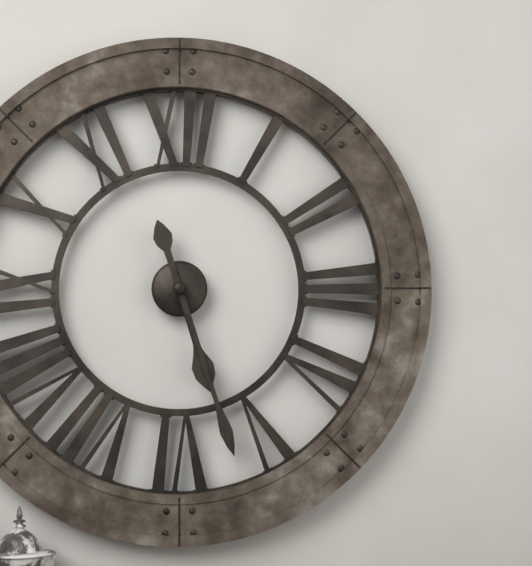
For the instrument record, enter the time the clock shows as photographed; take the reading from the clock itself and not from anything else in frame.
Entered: 5:27
